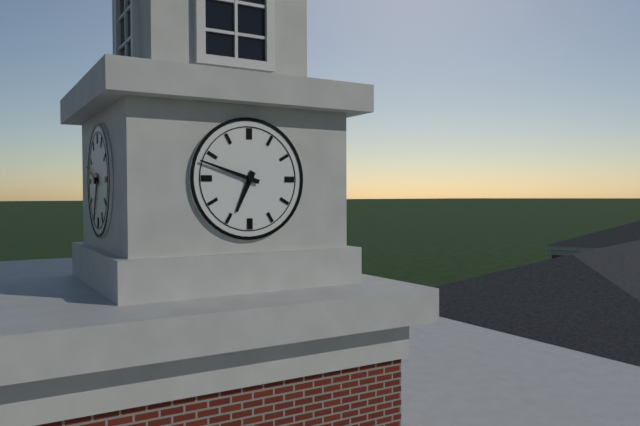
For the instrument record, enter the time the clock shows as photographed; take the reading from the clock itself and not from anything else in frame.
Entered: 6:48
